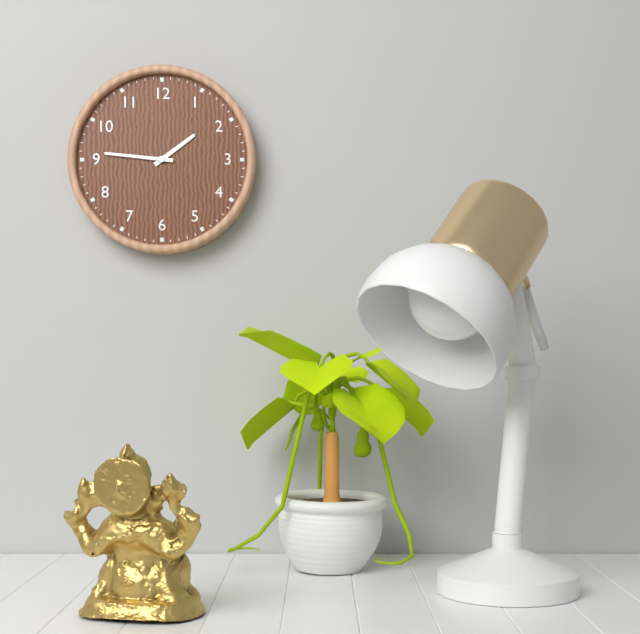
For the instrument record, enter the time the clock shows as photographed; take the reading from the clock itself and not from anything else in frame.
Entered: 1:46
